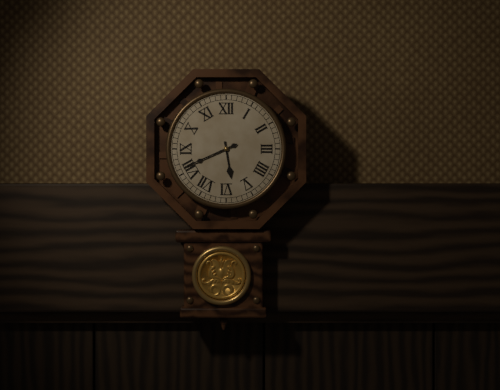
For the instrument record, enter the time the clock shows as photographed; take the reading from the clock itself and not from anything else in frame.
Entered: 5:41
